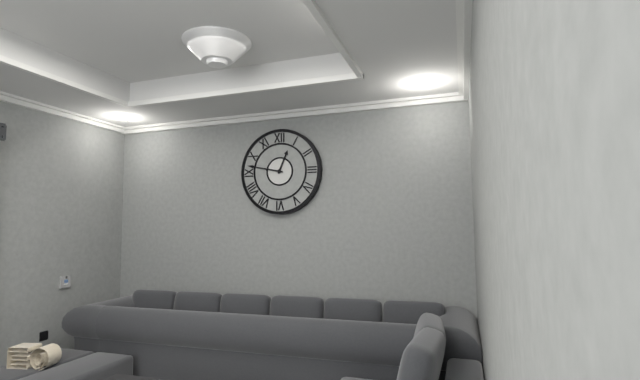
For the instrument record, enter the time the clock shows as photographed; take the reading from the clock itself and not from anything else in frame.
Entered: 12:47
